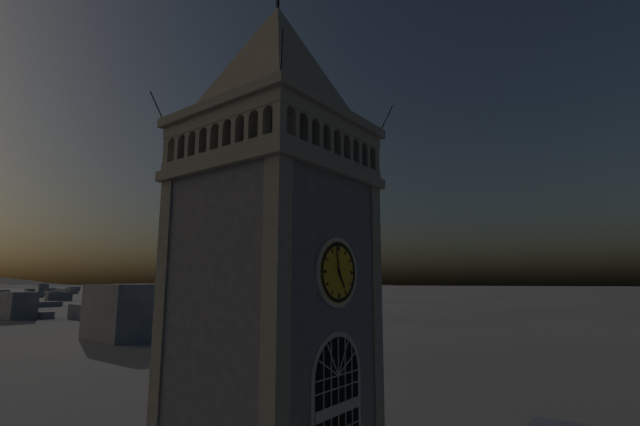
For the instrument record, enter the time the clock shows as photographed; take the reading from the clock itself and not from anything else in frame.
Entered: 4:58
